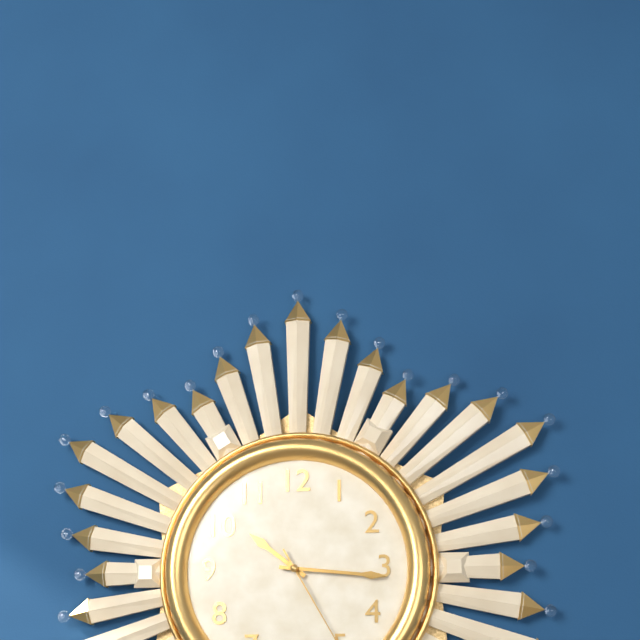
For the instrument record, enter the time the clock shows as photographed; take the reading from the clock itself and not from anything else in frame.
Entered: 10:16
